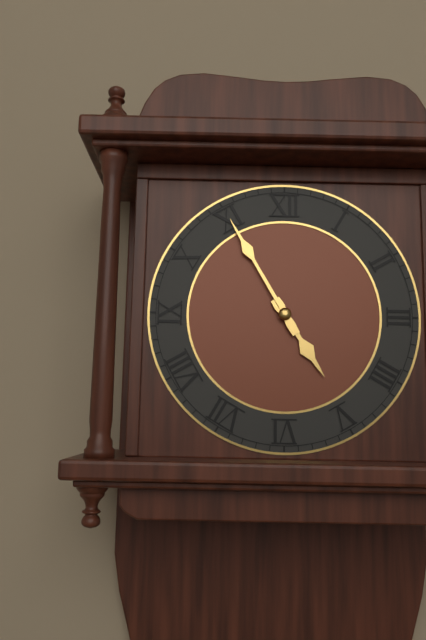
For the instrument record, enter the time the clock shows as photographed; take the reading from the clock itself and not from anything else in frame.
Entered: 4:55
